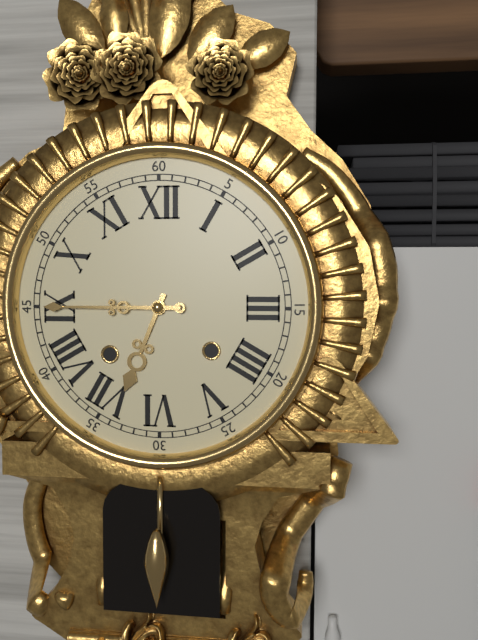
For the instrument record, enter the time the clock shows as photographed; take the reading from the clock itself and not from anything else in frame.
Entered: 6:45
